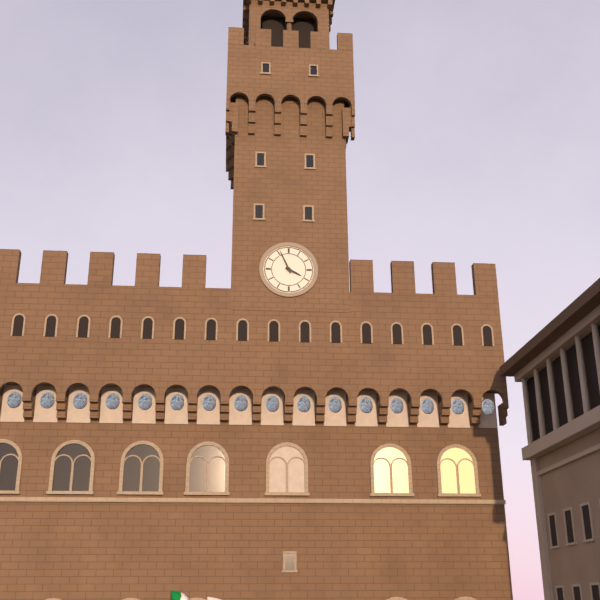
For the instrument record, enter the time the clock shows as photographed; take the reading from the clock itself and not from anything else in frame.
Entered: 3:56
